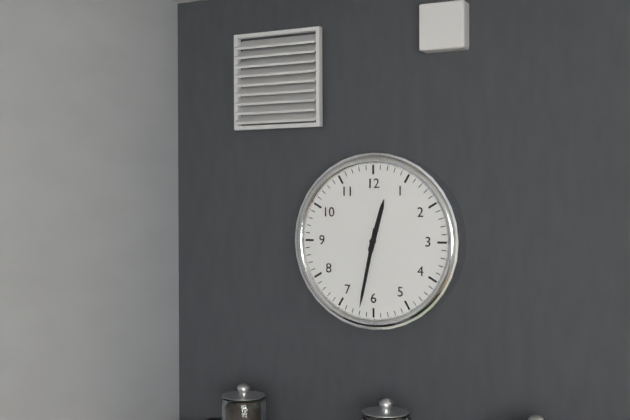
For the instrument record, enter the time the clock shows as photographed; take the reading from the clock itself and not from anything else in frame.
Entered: 12:32
